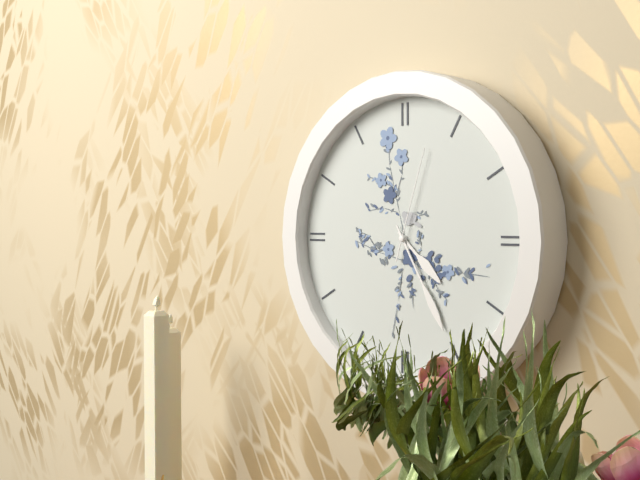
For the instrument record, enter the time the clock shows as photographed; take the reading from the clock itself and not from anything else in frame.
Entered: 4:25:03
